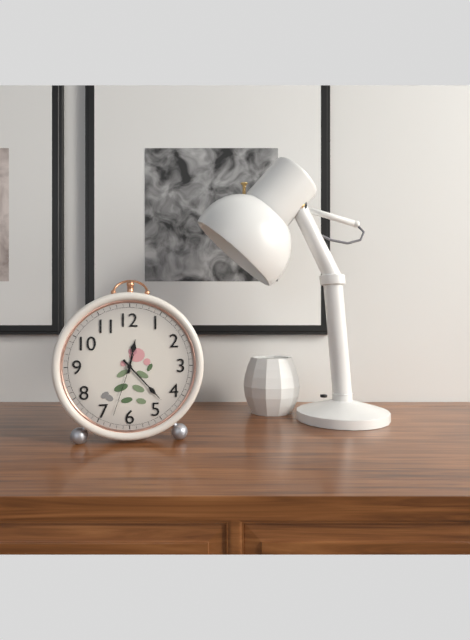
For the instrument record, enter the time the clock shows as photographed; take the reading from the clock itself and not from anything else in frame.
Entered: 12:23:33
